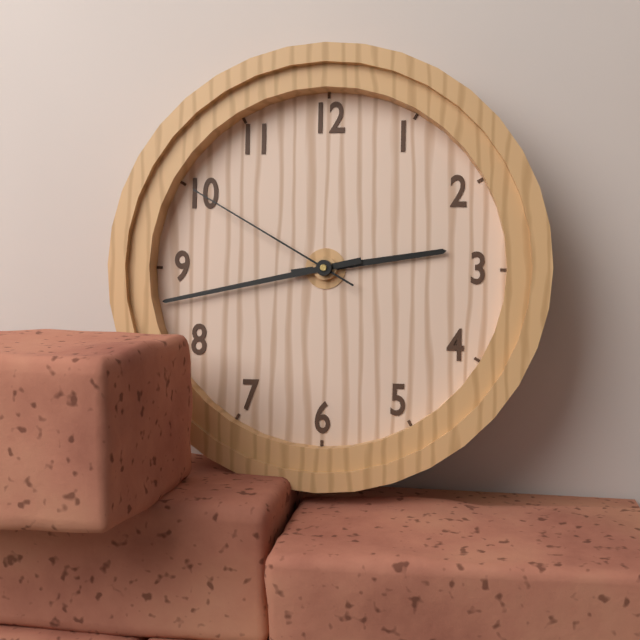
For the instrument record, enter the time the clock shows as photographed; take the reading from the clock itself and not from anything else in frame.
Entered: 2:43:50
